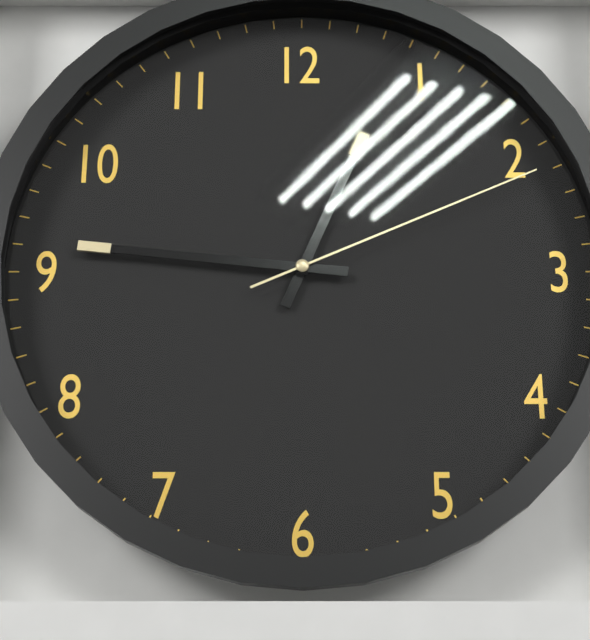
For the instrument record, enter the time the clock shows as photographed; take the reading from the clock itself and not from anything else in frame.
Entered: 12:46:11
